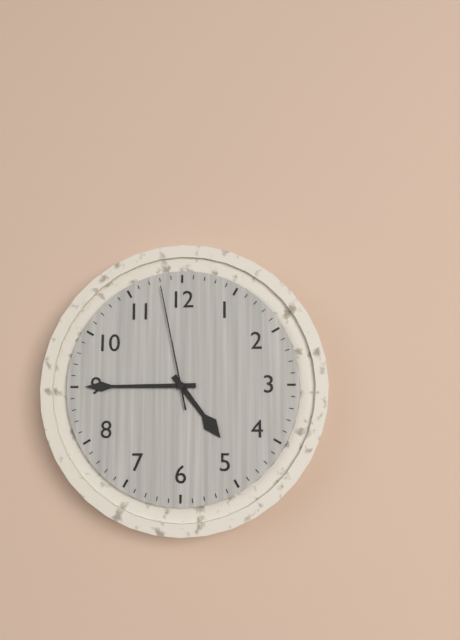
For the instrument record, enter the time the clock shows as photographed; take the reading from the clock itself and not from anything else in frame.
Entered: 4:45:58
